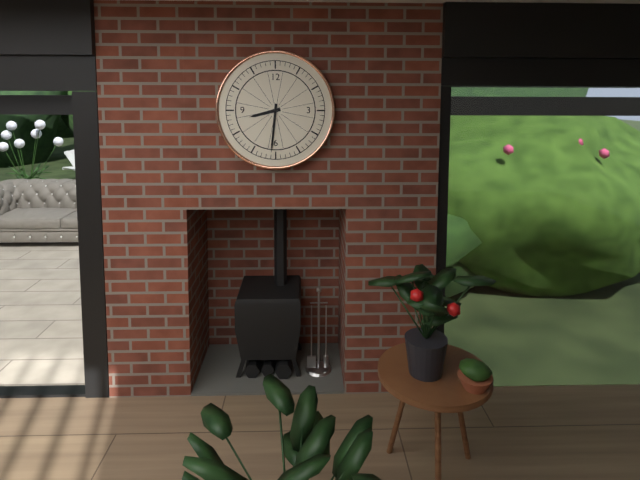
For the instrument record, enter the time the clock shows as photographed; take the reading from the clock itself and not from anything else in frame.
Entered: 8:31
